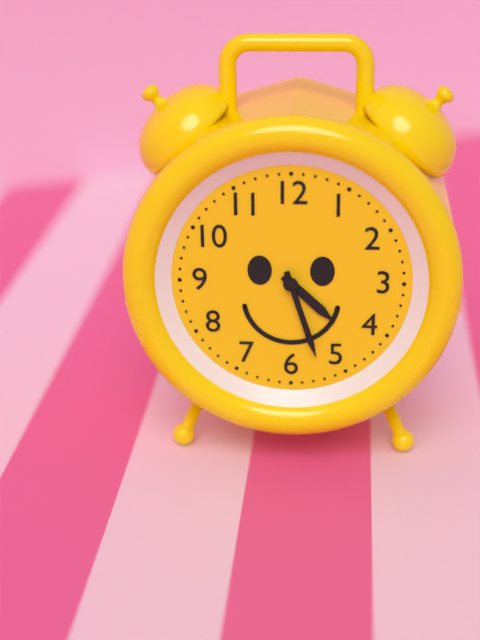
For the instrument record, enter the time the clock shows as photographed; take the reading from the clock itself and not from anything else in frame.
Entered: 4:27
